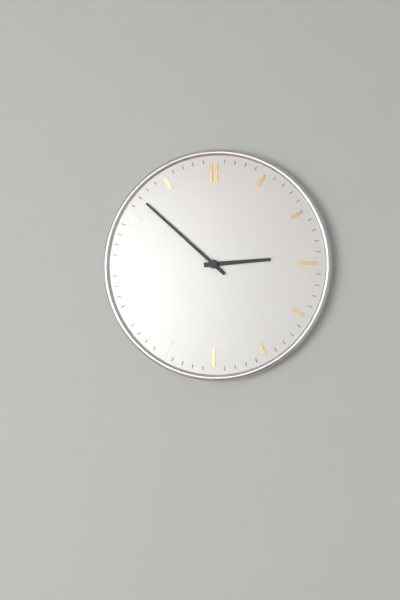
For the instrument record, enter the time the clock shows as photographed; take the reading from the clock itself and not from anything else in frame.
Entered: 2:52
